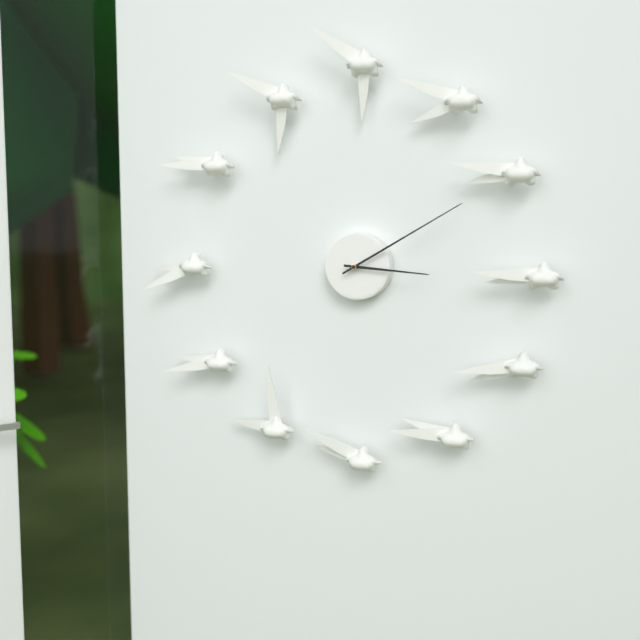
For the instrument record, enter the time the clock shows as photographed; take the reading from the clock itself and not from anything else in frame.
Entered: 3:10
